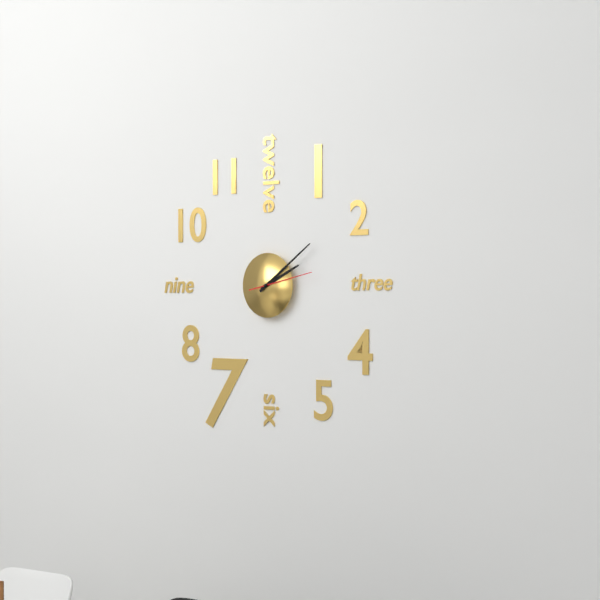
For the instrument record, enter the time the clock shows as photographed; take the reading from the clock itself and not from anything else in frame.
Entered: 2:09:13
